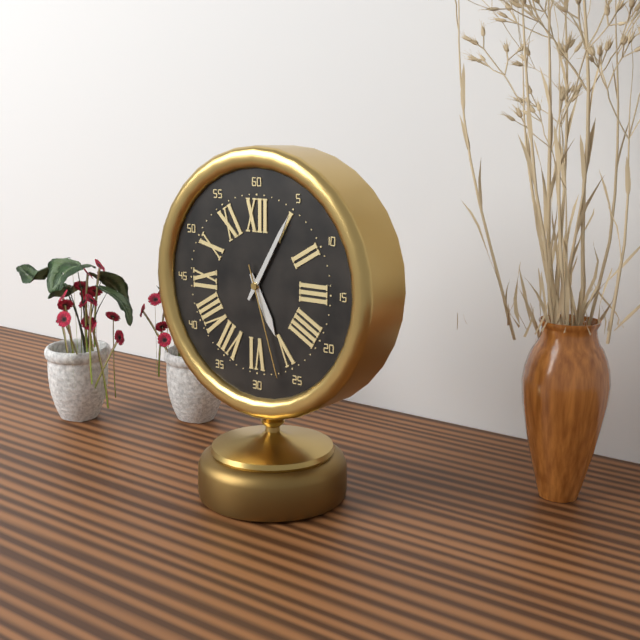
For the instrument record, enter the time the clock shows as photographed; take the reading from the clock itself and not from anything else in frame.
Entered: 5:05:27
